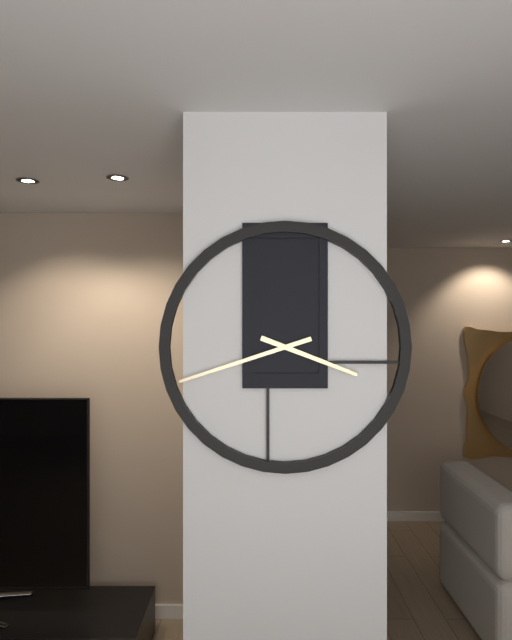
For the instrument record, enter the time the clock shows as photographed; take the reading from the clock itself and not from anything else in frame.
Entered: 3:42
